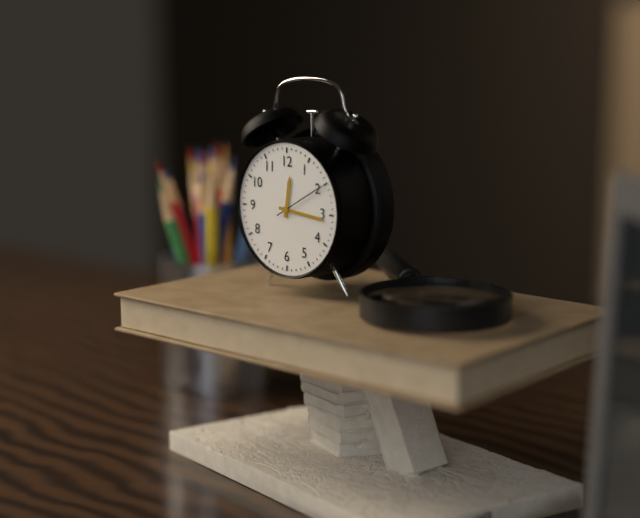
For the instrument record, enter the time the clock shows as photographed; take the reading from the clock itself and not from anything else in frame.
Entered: 12:16:10
